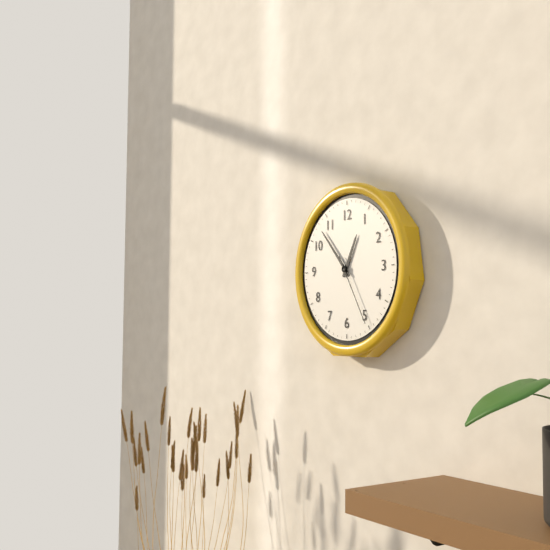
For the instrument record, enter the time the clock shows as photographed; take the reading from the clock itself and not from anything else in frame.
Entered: 12:53:25
